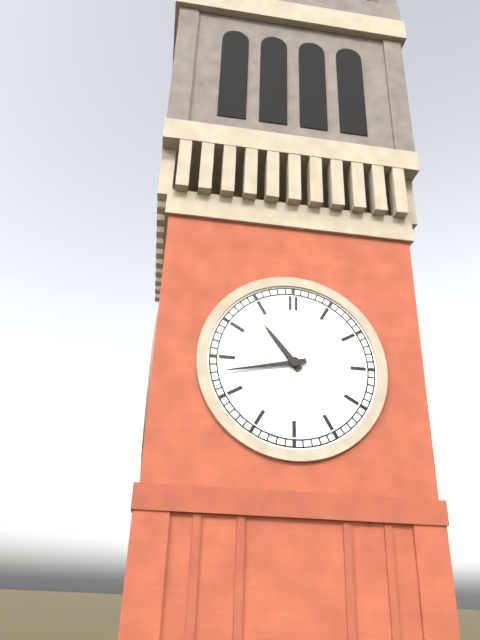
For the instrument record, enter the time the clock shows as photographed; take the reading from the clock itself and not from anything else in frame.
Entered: 10:43
